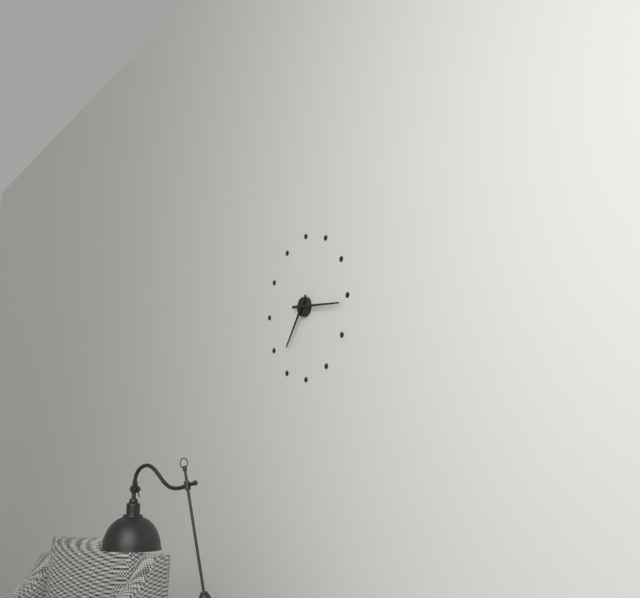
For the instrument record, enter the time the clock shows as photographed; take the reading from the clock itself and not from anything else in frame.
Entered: 7:16
